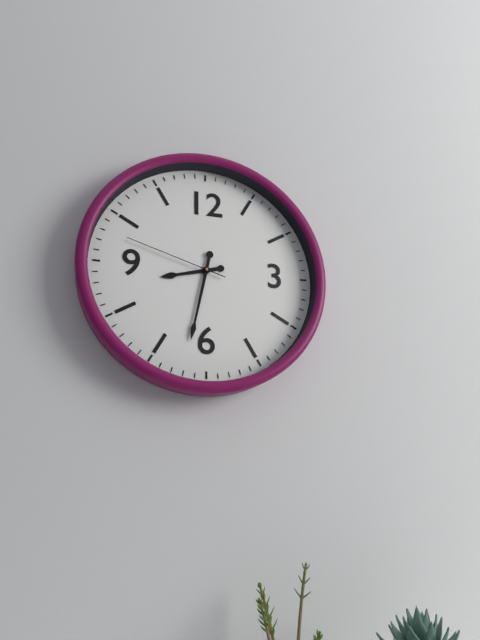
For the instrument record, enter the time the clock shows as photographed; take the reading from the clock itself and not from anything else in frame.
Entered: 8:32:48
